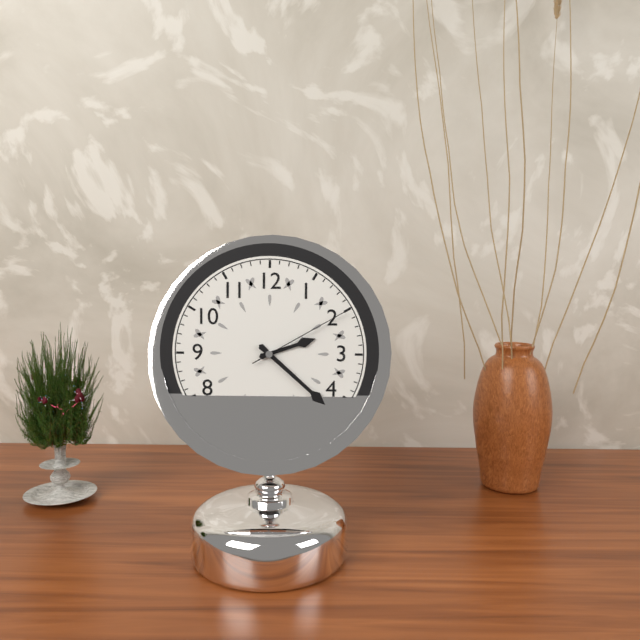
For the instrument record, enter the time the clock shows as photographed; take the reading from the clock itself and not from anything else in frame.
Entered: 2:22:10
